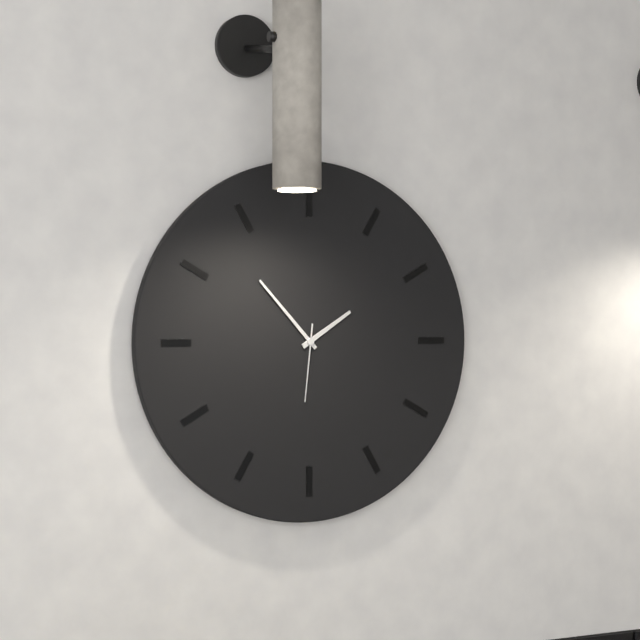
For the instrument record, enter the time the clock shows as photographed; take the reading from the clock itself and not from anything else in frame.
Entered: 1:53:31
